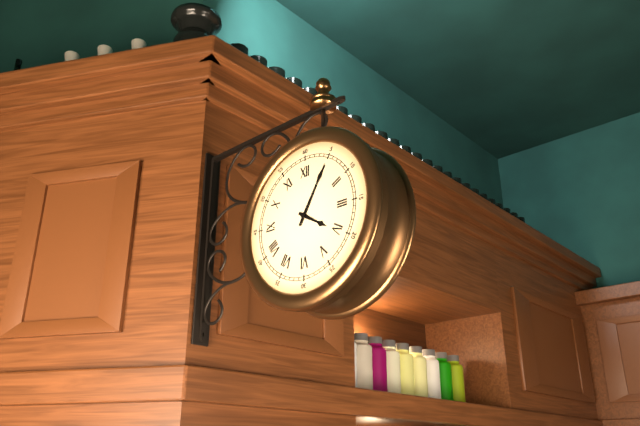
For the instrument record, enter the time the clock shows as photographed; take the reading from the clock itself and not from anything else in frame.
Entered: 4:05
